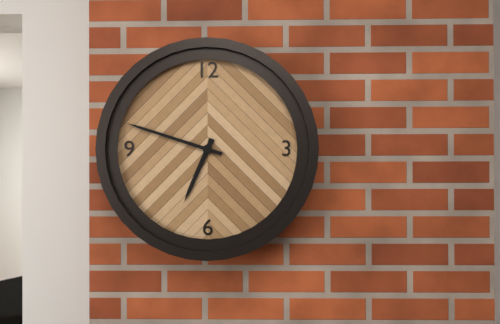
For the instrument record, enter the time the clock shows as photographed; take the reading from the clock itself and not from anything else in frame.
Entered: 6:48
